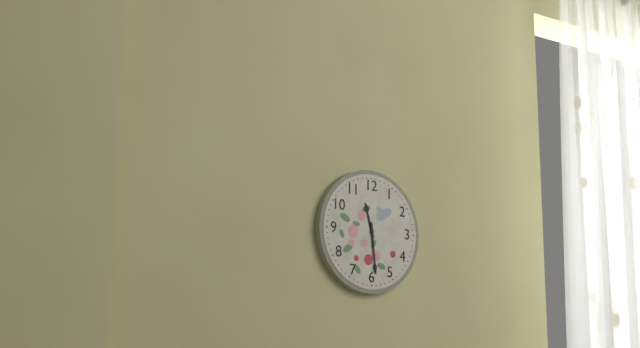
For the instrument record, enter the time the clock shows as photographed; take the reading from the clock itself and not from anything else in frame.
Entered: 11:29
